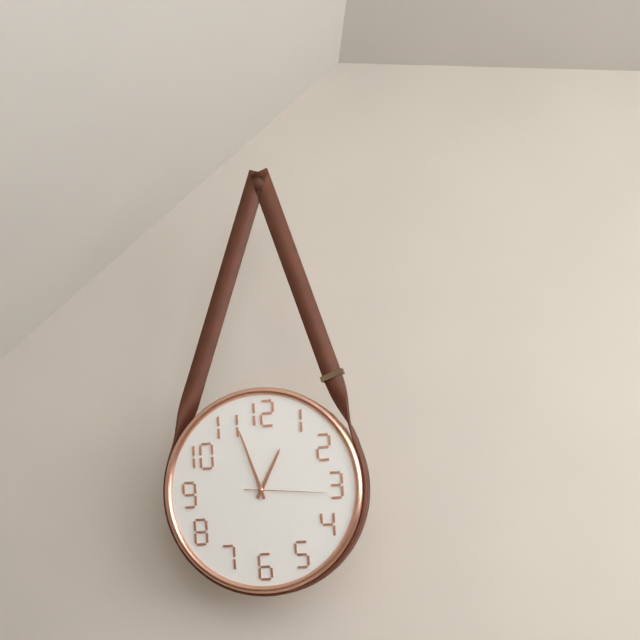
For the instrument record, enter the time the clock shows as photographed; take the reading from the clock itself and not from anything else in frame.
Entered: 12:57:16
